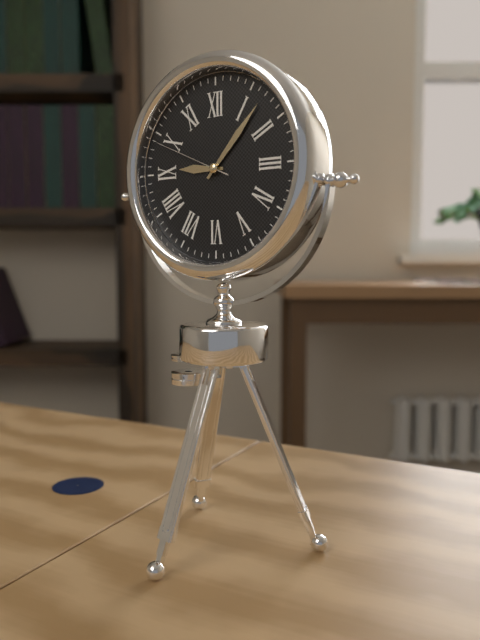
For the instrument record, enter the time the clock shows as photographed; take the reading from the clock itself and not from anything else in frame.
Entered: 9:07:49
